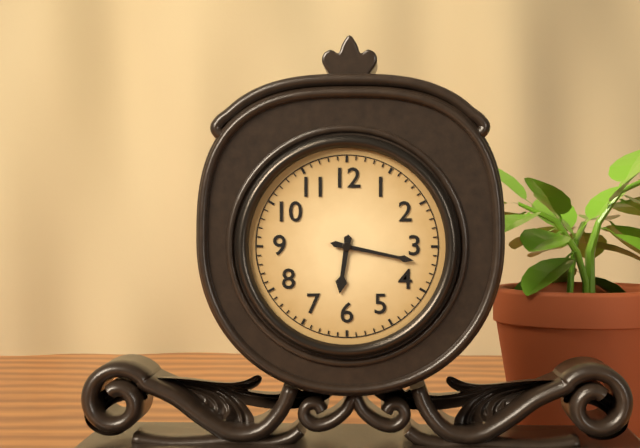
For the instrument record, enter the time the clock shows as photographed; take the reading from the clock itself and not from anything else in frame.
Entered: 6:17
